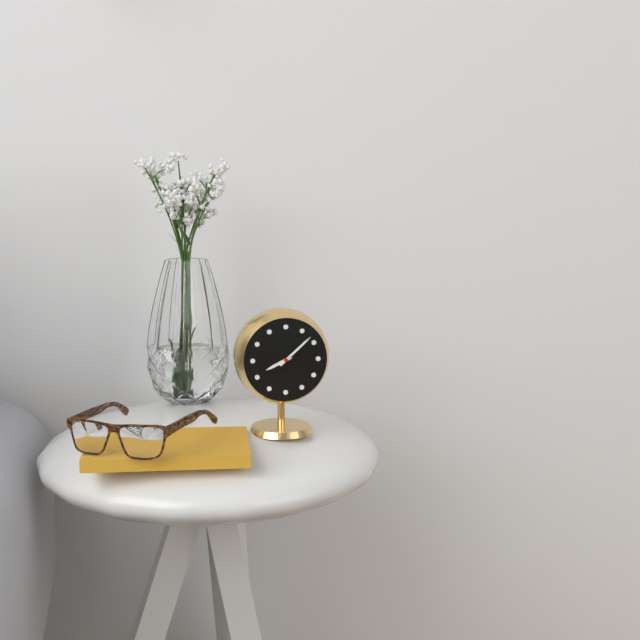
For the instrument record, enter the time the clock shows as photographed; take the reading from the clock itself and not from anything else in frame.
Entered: 8:08
